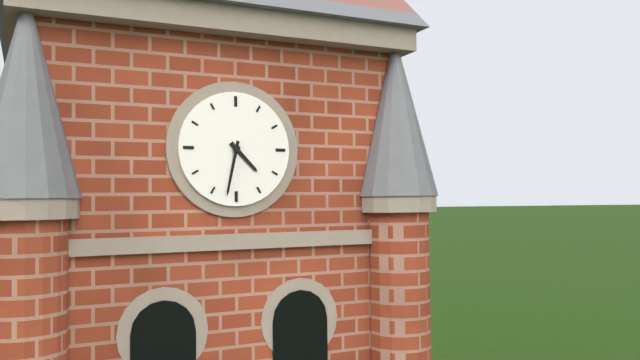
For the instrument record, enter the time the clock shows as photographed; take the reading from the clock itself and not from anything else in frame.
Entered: 4:32
